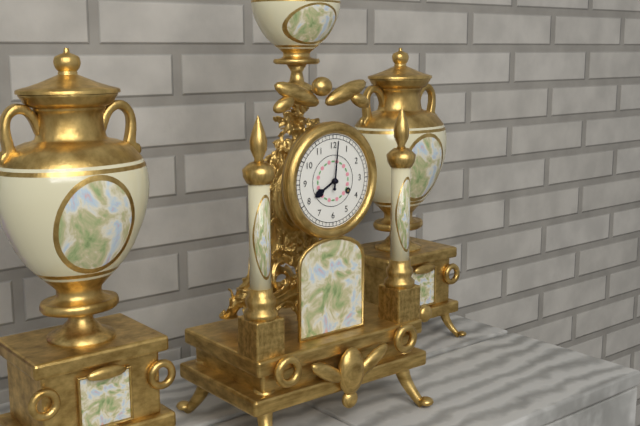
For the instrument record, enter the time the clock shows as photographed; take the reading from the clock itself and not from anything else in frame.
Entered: 8:01
